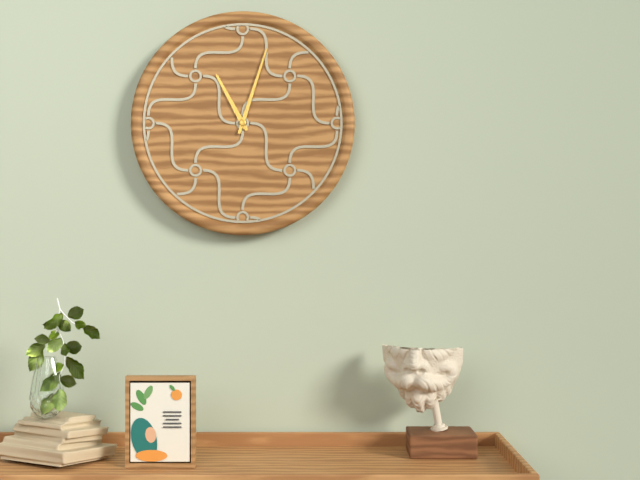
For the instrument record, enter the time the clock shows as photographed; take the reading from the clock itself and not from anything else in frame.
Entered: 11:03
